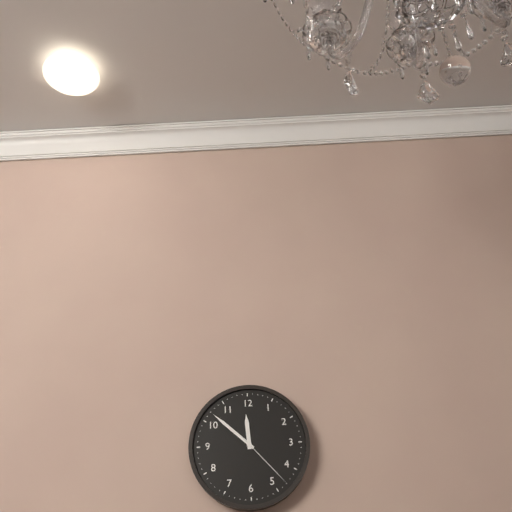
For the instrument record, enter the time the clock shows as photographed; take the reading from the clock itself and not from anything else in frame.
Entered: 11:52:23
